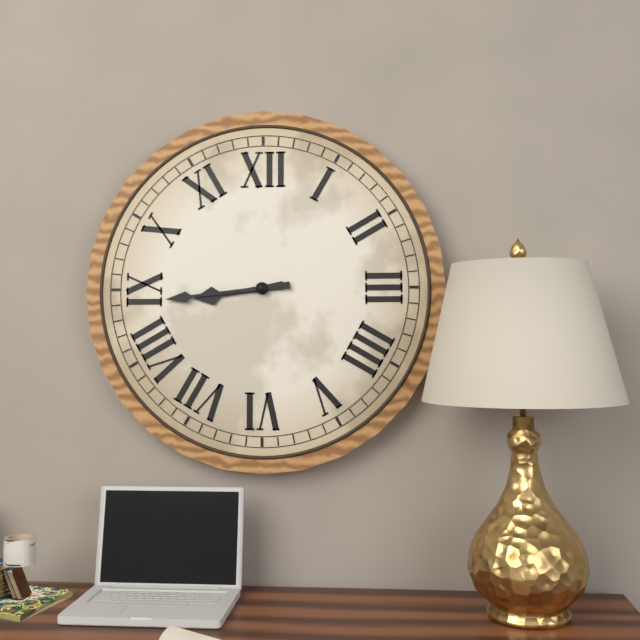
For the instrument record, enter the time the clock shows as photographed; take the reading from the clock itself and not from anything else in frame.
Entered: 8:44
